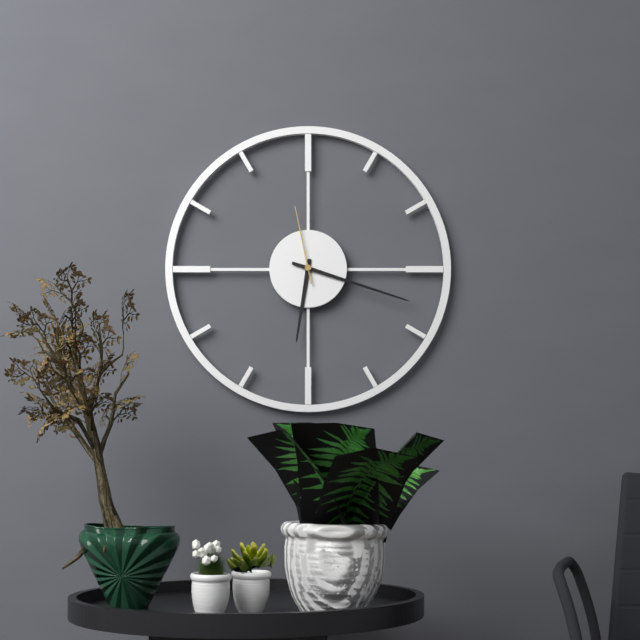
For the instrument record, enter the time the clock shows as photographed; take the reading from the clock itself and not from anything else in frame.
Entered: 6:18:58
